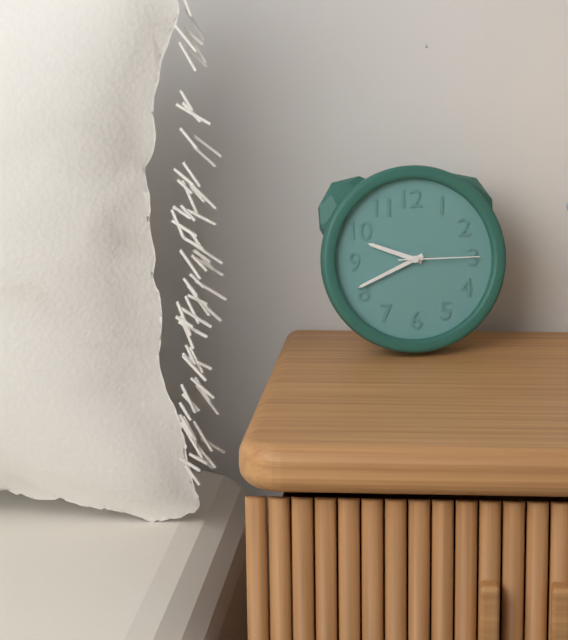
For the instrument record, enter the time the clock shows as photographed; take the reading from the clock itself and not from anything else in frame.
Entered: 9:41:15
